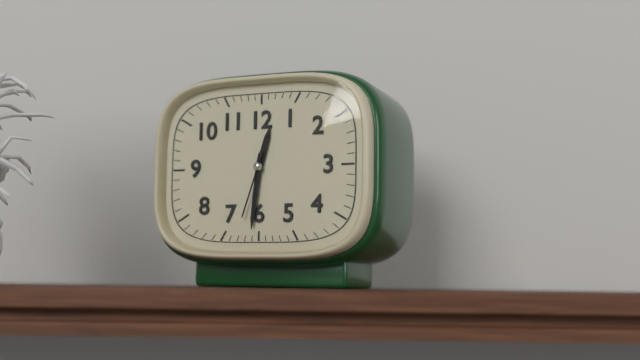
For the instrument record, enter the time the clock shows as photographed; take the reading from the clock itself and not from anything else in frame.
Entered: 12:31:33
